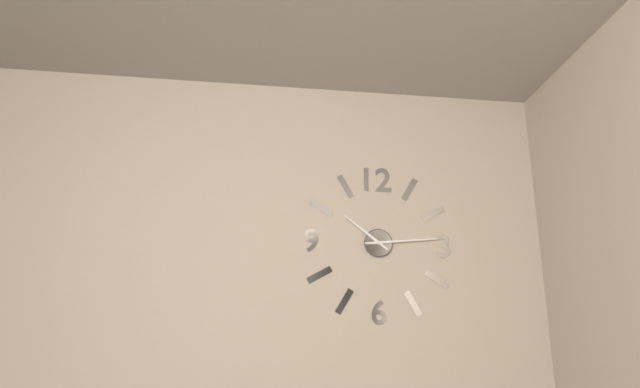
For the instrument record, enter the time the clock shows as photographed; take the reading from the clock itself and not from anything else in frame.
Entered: 10:14
